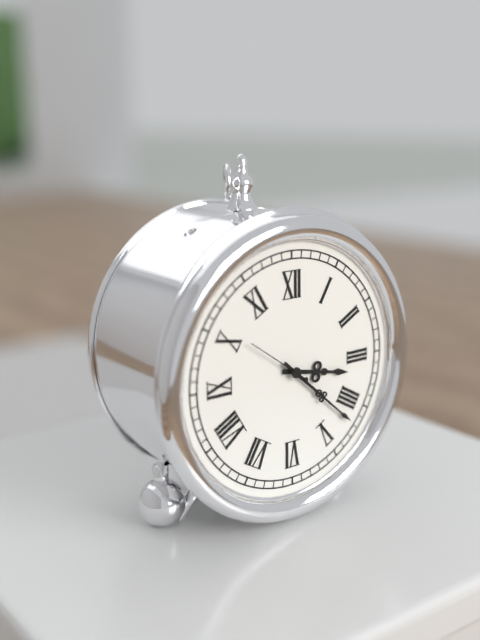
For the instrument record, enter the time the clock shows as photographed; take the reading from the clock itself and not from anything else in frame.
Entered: 3:22:51
